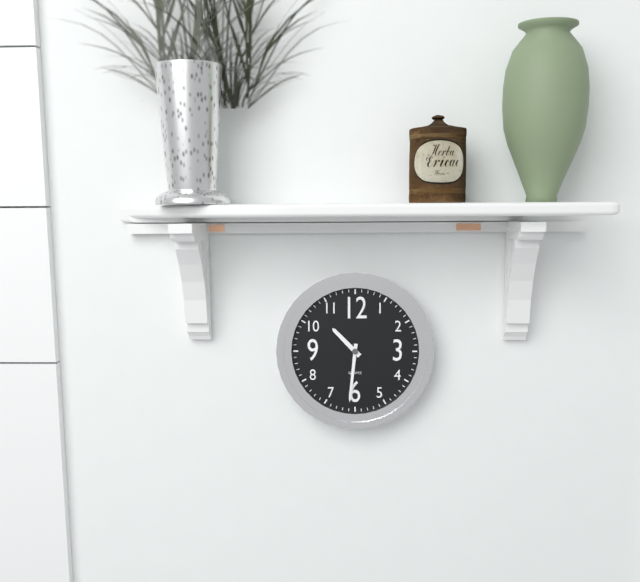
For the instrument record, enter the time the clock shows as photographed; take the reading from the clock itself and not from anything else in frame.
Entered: 10:31
